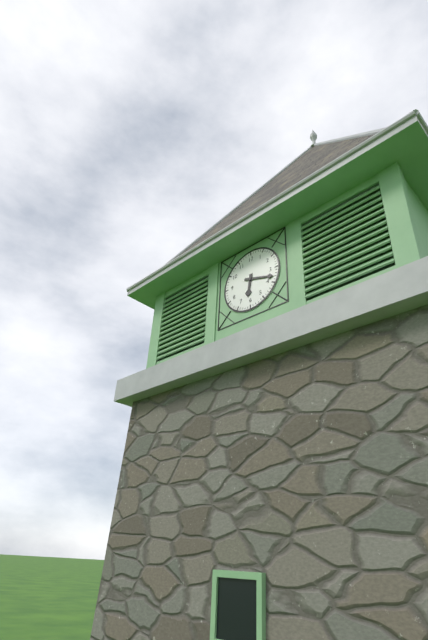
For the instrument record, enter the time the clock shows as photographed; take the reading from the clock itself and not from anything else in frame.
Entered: 6:18
